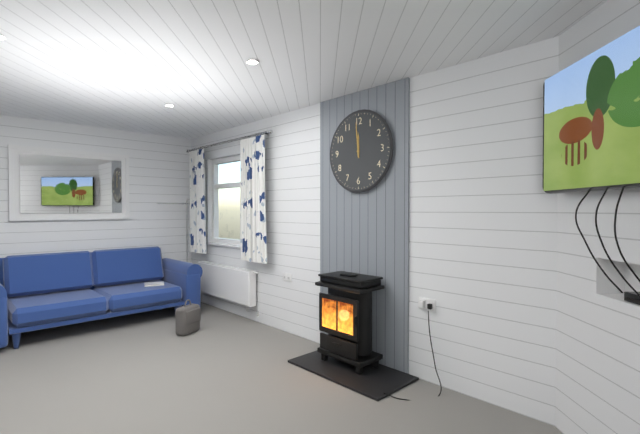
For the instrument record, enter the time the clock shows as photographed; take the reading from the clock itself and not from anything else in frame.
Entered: 11:59
